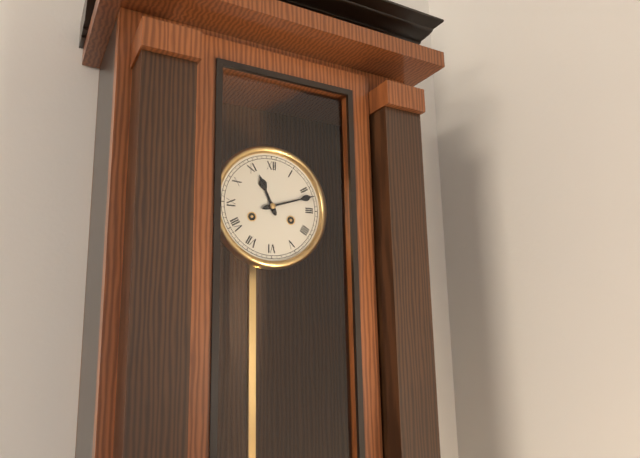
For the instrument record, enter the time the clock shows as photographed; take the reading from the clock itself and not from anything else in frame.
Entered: 11:12
